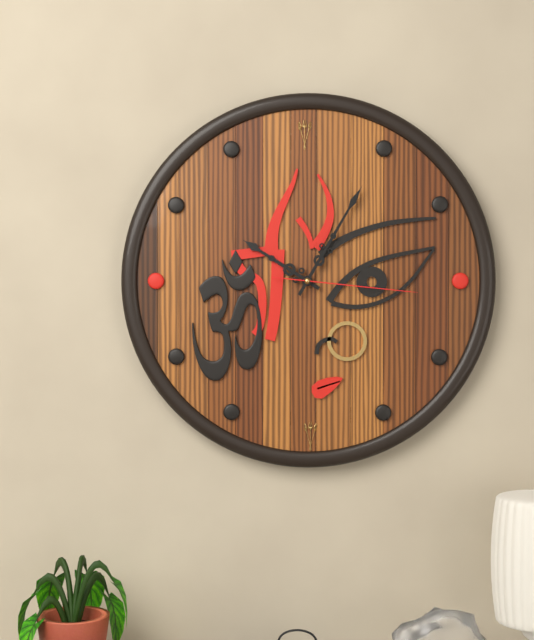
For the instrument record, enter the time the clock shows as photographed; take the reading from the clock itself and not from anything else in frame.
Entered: 10:05:16
